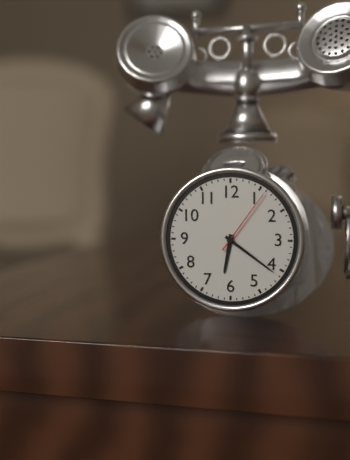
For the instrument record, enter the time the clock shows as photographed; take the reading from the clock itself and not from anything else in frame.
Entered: 6:21:06
